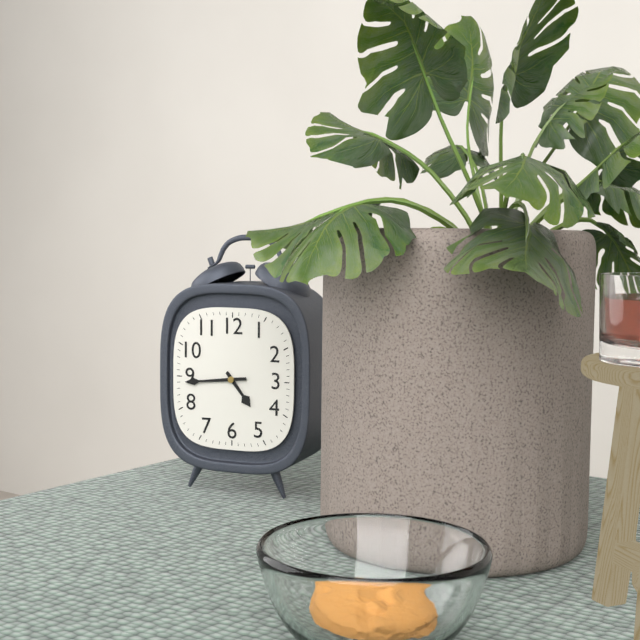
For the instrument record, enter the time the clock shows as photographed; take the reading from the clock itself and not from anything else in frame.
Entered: 4:44
